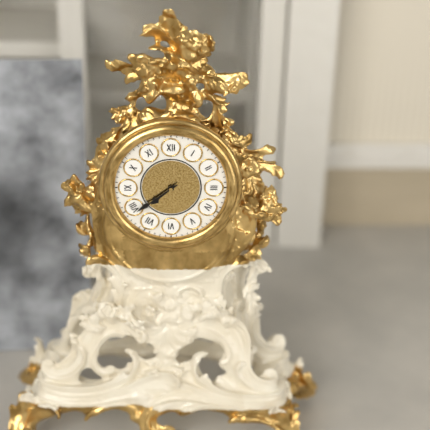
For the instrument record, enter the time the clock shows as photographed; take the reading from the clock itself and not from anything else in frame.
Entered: 7:39
